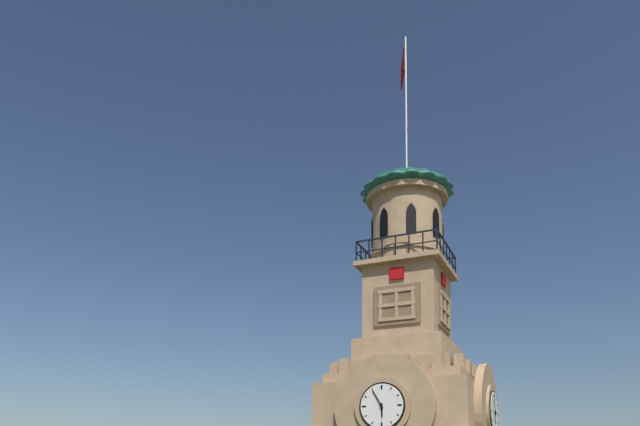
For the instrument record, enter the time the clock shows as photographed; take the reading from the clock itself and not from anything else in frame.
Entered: 5:55
